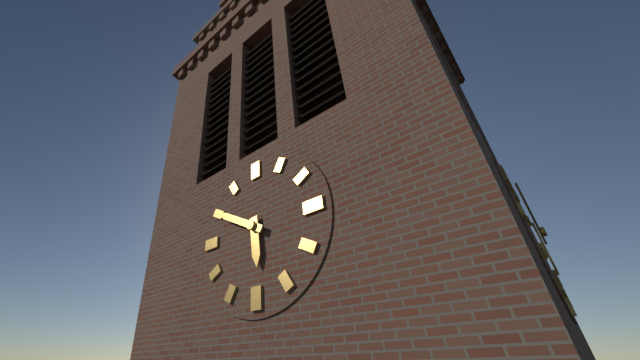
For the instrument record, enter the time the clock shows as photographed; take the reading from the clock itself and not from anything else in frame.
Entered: 5:50
